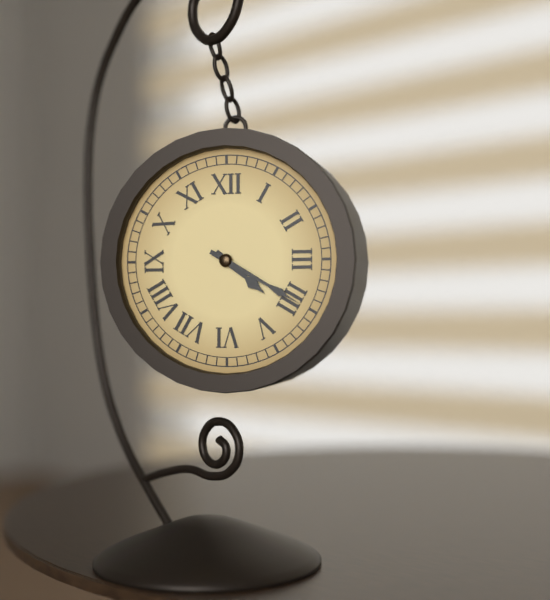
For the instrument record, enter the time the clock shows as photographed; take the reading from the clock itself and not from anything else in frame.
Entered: 4:20
